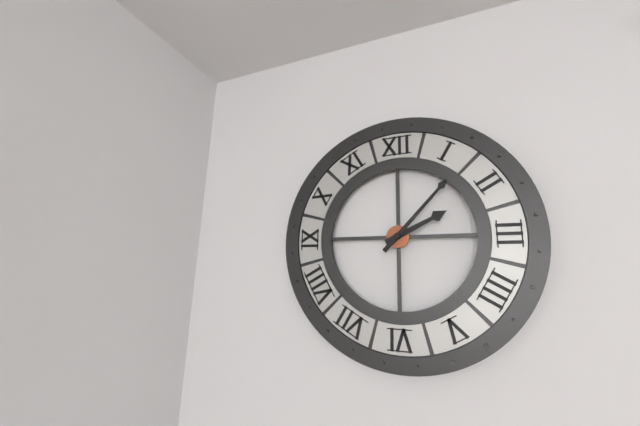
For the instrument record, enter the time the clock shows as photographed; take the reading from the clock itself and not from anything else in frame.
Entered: 2:07
